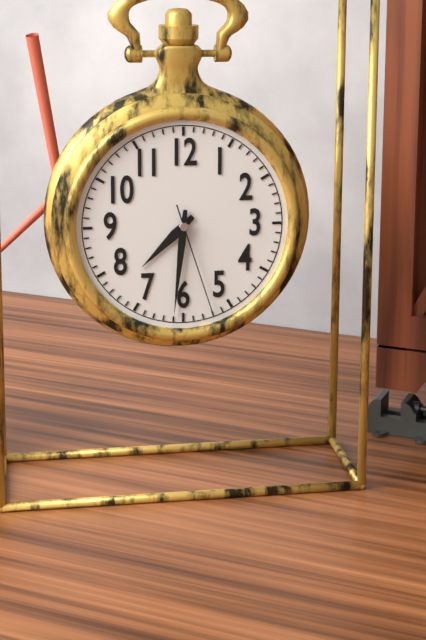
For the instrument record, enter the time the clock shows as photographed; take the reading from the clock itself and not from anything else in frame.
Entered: 7:31:27
